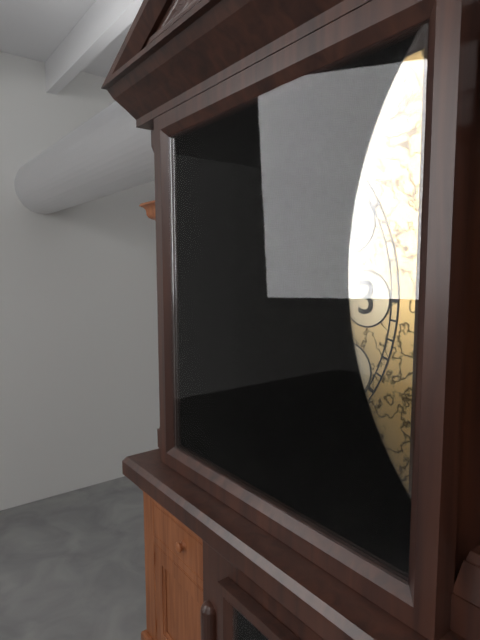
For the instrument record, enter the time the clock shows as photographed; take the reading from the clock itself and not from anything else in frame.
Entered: 1:48
